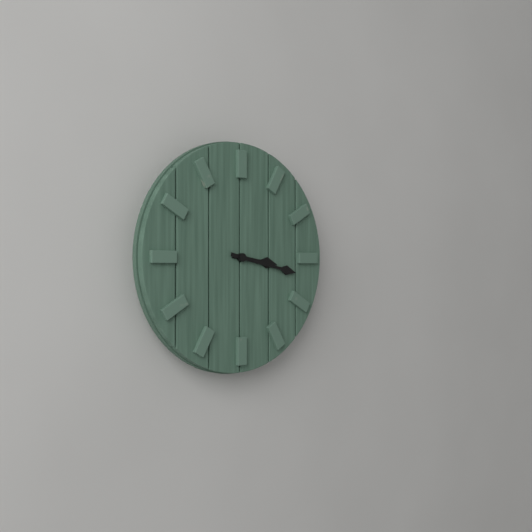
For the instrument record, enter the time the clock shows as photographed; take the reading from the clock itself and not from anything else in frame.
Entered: 3:17
